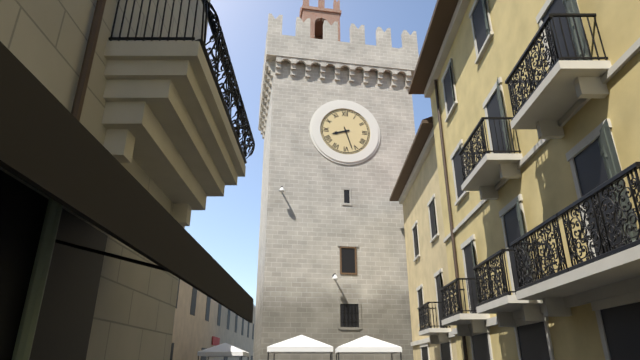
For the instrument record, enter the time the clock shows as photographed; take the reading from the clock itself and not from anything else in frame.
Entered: 8:27
